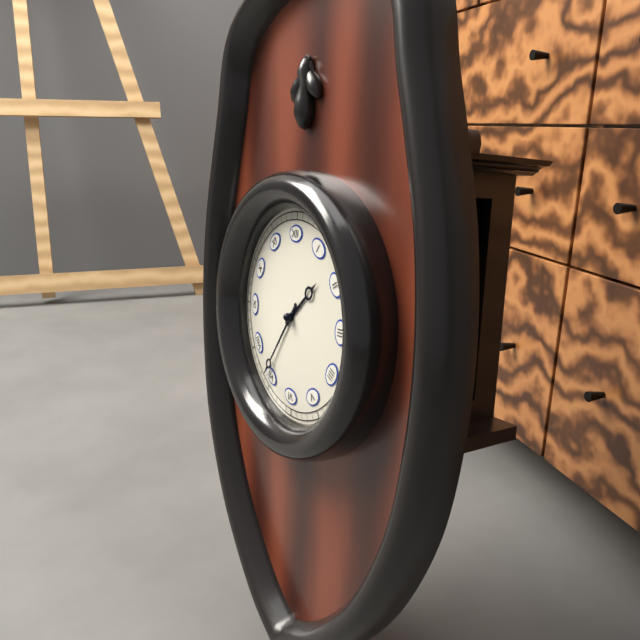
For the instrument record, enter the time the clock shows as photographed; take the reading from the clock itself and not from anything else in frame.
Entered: 1:36
